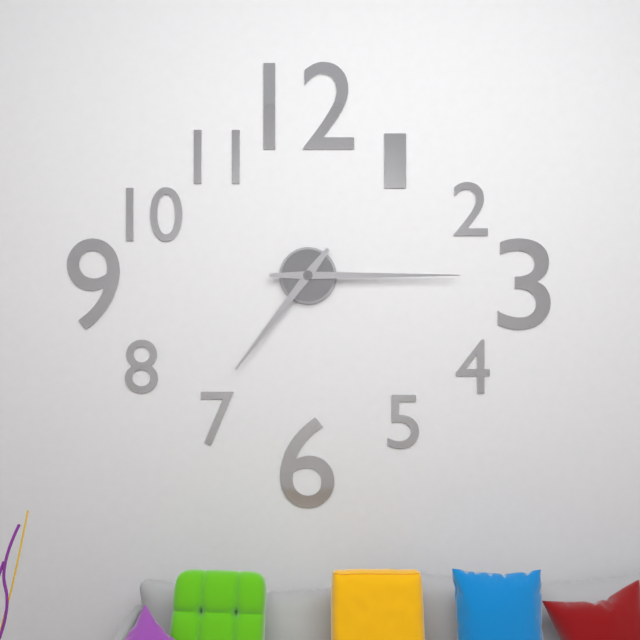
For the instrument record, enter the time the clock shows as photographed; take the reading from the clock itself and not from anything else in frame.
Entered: 7:15
